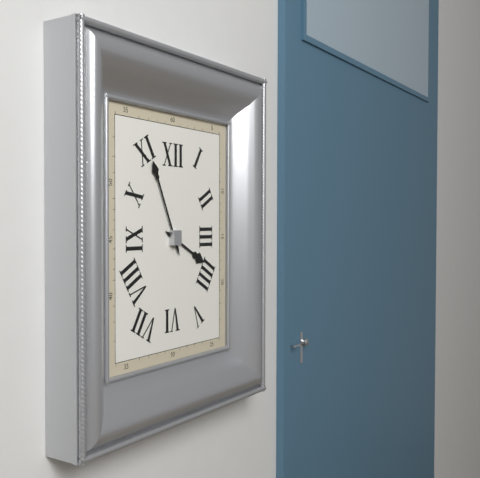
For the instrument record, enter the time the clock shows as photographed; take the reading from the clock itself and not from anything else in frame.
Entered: 3:56
